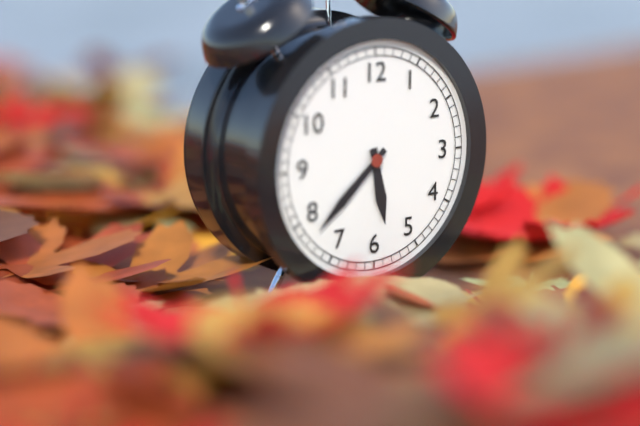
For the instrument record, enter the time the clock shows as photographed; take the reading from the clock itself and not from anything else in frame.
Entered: 5:38
